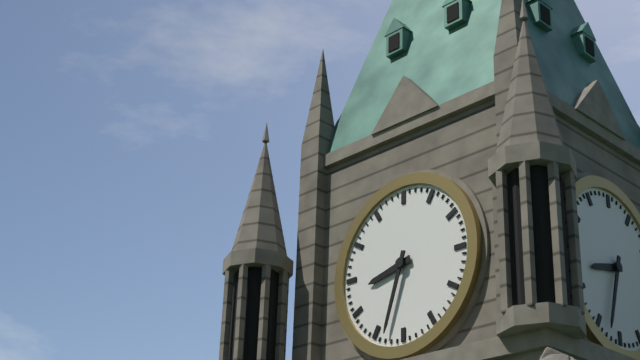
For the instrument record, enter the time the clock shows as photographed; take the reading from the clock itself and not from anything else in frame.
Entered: 8:33
